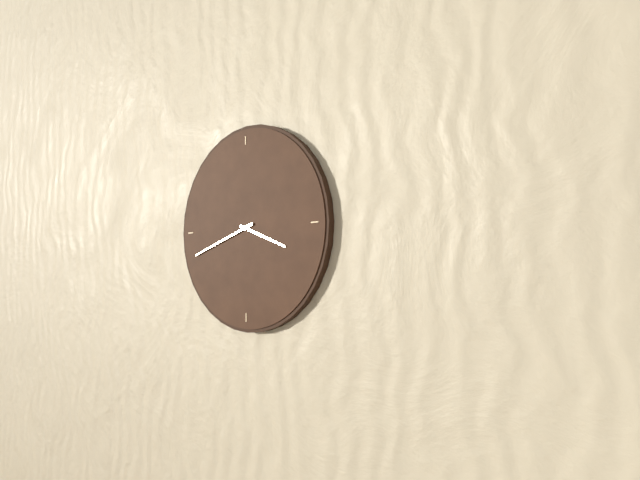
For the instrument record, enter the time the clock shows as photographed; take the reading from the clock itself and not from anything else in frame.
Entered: 3:42
